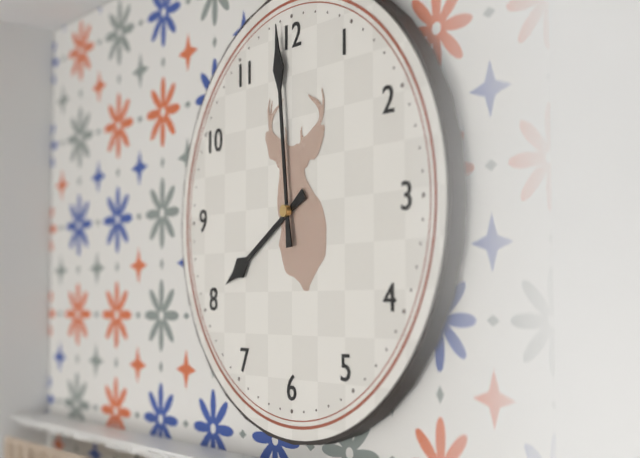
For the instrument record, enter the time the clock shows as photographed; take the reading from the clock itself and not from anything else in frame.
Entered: 7:59
